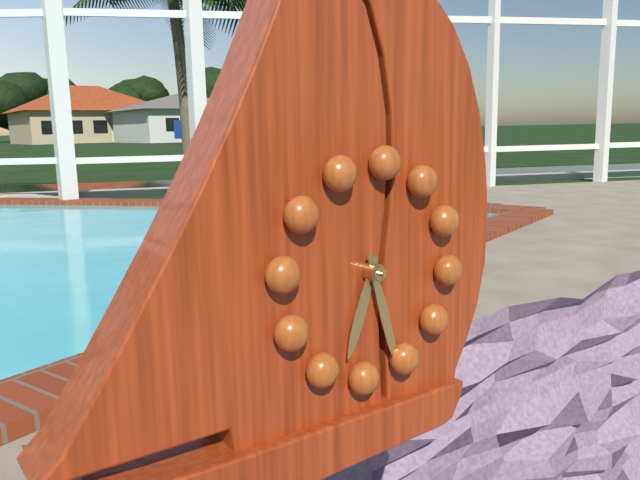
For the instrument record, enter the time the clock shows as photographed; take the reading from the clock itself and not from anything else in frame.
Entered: 6:26
